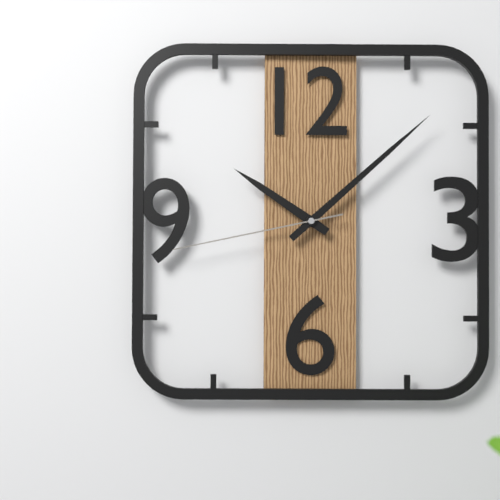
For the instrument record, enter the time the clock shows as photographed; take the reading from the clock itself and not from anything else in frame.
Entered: 10:08:43
